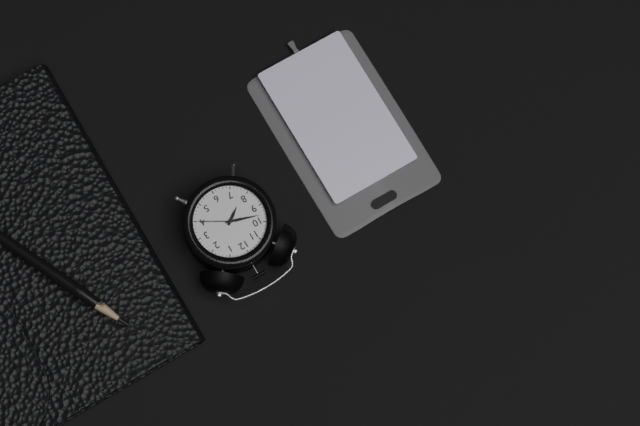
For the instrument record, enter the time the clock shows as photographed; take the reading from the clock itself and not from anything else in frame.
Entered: 7:48
